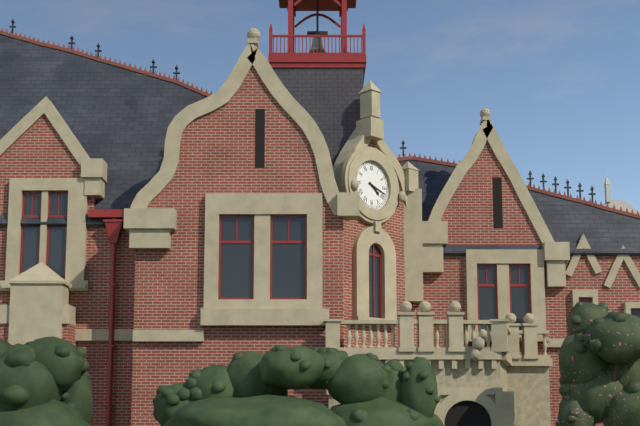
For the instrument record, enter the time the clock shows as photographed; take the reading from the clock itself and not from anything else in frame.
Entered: 4:18
